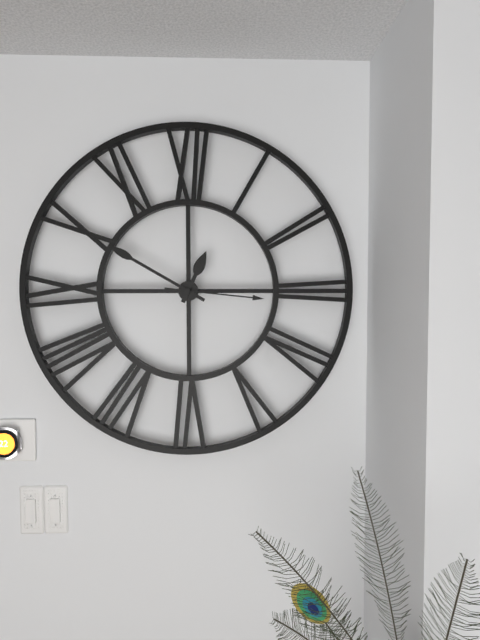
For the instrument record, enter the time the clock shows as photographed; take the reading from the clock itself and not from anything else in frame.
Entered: 12:50:16
